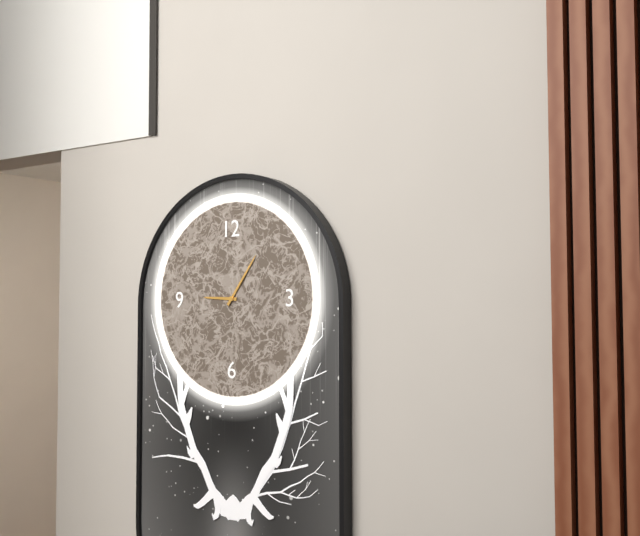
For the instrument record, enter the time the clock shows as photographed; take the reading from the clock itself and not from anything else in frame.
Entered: 9:06
